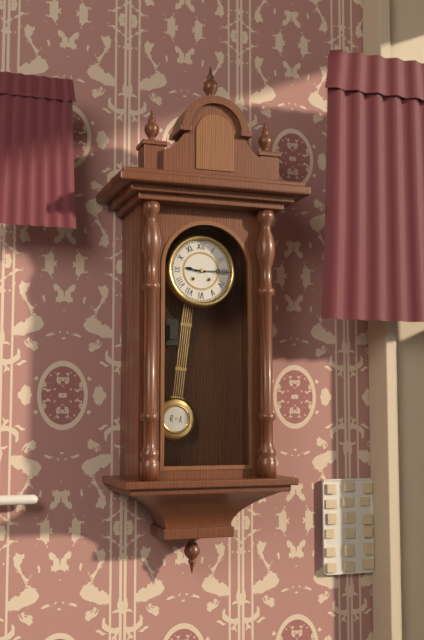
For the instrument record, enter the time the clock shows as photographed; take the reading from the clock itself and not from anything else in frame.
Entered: 9:15
